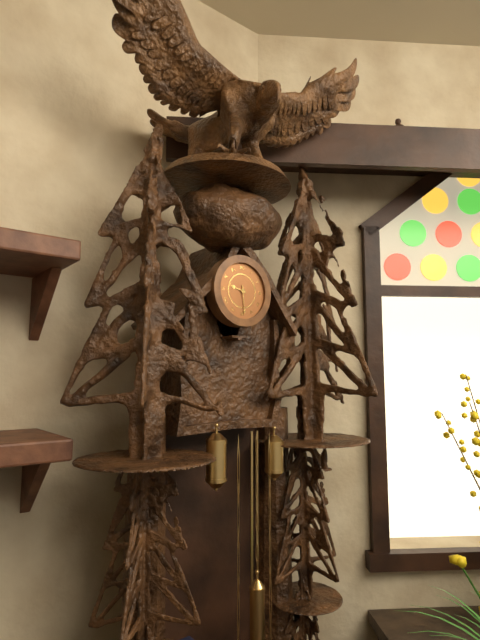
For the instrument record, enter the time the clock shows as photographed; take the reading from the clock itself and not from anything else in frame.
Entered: 9:29
